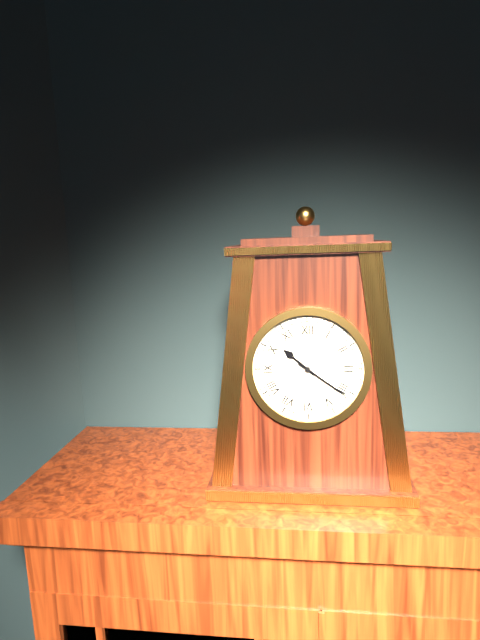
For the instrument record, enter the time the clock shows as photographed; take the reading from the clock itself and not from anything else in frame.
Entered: 10:21
